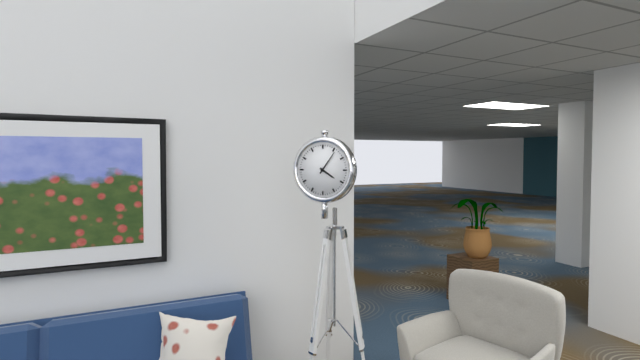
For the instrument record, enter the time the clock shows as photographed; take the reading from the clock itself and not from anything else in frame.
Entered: 4:06
